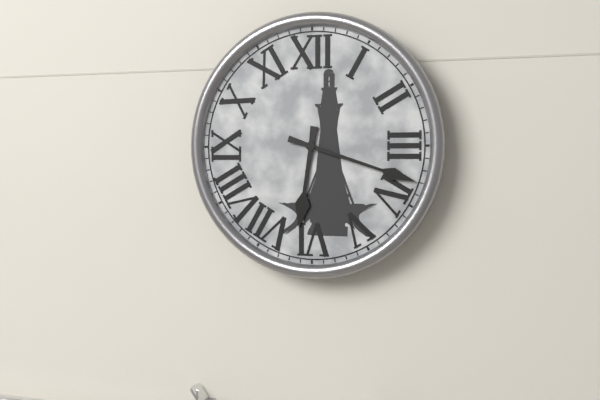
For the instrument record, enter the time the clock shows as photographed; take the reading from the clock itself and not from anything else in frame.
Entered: 6:18
